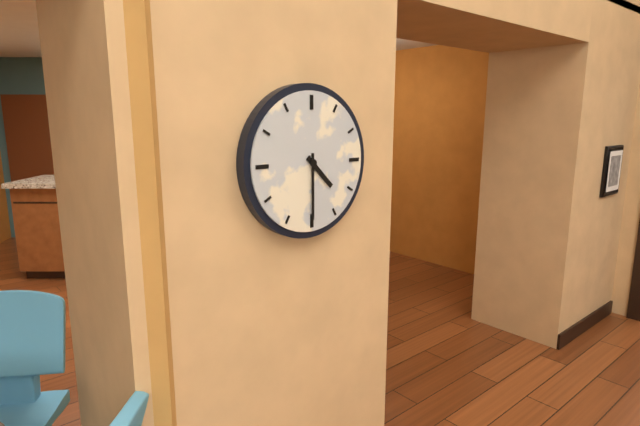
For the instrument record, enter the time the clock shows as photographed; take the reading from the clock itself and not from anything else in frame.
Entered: 4:30
